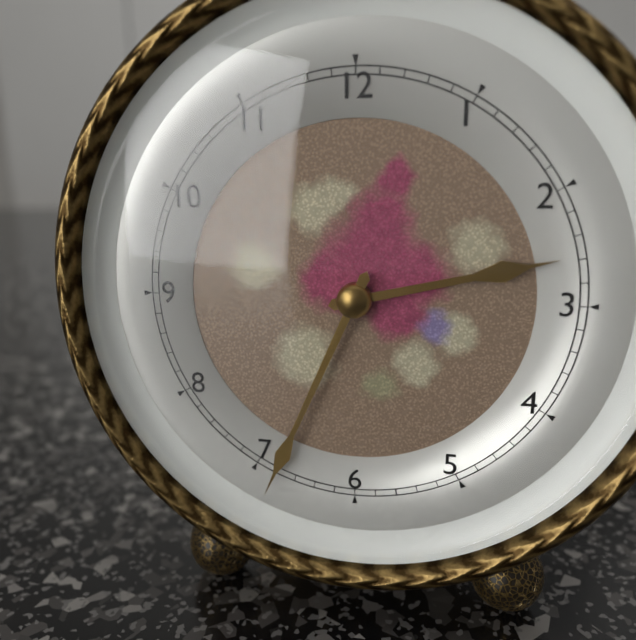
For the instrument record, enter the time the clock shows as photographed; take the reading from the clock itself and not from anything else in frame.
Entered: 2:34
